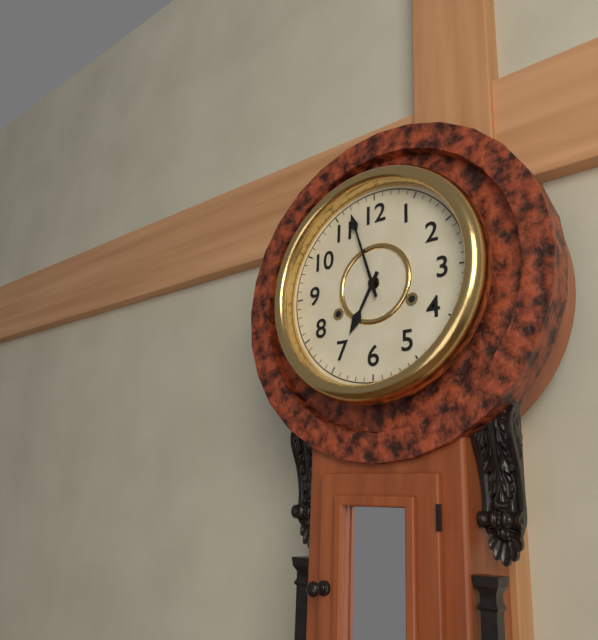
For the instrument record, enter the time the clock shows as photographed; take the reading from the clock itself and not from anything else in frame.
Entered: 6:57
